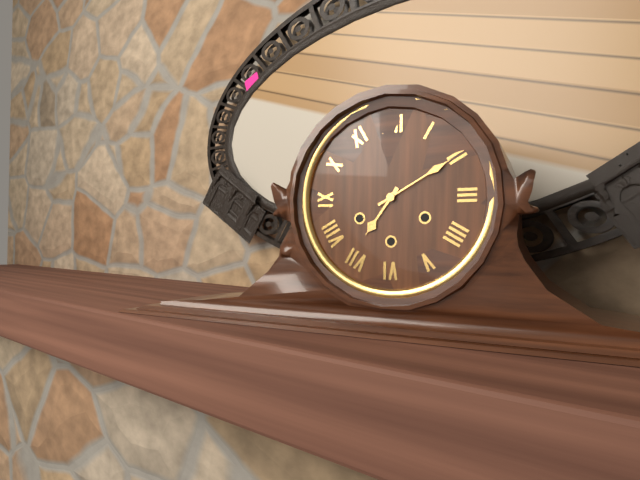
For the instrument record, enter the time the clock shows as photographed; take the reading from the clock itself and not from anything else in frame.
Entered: 7:10
